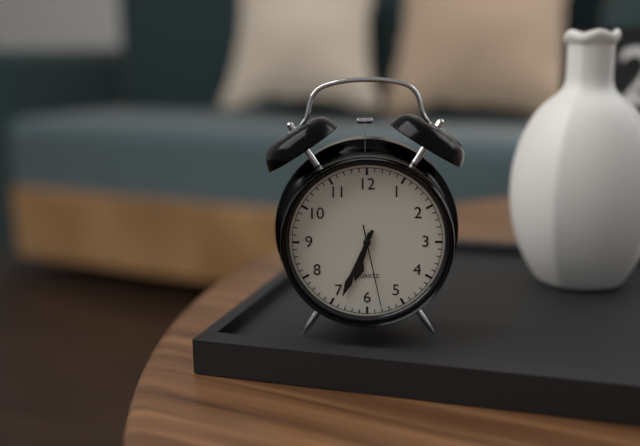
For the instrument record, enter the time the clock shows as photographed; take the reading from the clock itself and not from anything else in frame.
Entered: 6:34:28
